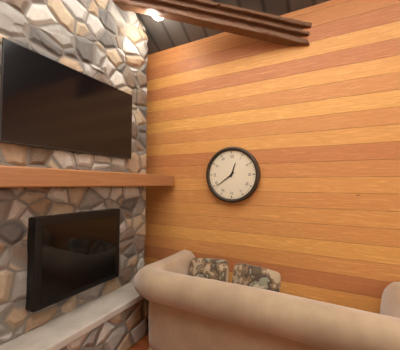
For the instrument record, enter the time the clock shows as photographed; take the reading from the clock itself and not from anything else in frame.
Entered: 12:39
